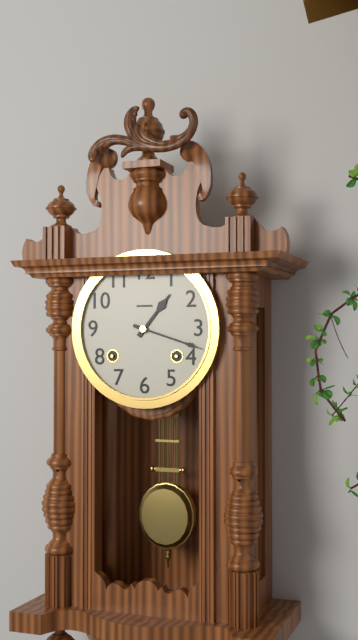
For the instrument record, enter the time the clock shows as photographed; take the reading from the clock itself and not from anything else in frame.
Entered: 1:18
